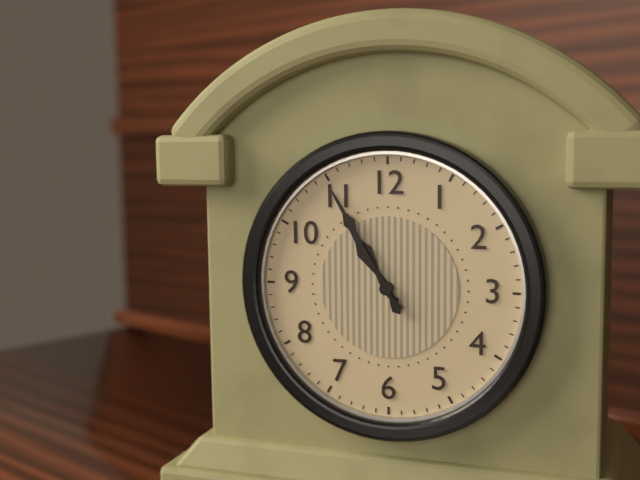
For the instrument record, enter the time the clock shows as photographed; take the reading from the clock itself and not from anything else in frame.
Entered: 10:55
